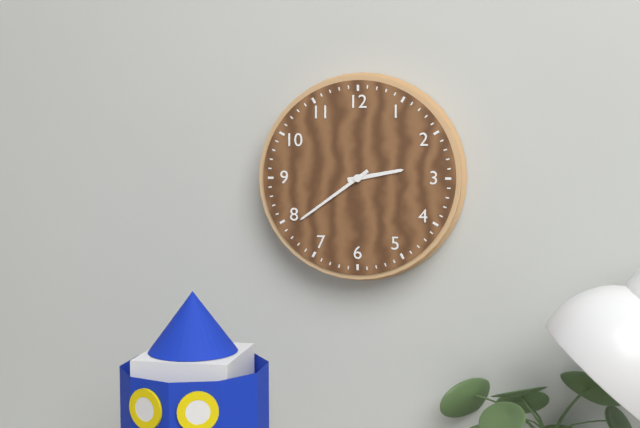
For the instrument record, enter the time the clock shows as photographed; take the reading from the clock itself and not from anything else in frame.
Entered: 2:39
